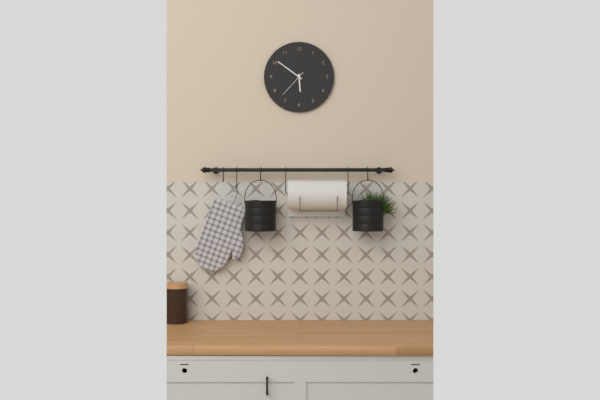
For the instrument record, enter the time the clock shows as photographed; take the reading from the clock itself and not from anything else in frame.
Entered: 5:51
